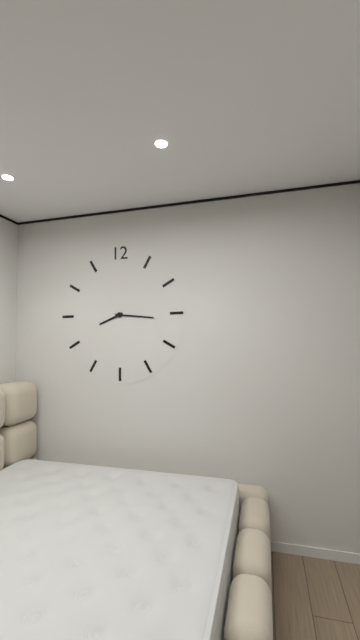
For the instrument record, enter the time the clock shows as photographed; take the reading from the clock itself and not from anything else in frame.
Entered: 8:16
